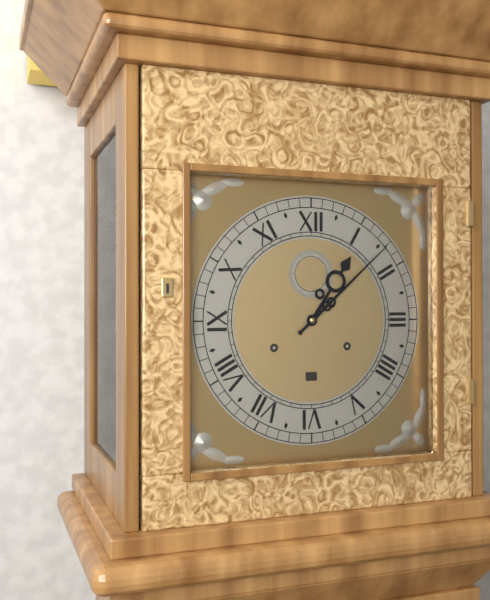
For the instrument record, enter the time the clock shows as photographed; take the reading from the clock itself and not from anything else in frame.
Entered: 1:08
